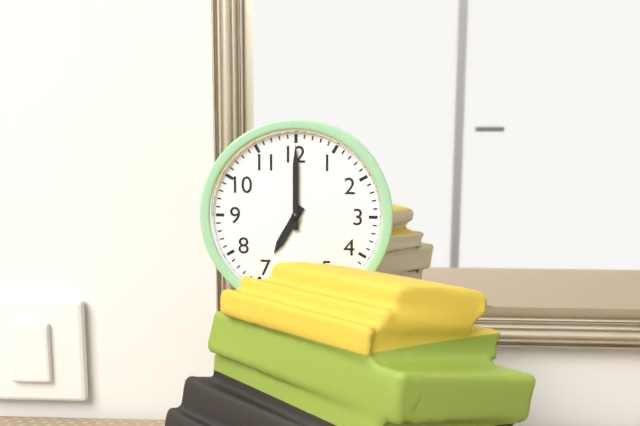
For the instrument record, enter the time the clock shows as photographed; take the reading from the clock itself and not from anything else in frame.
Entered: 7:00
